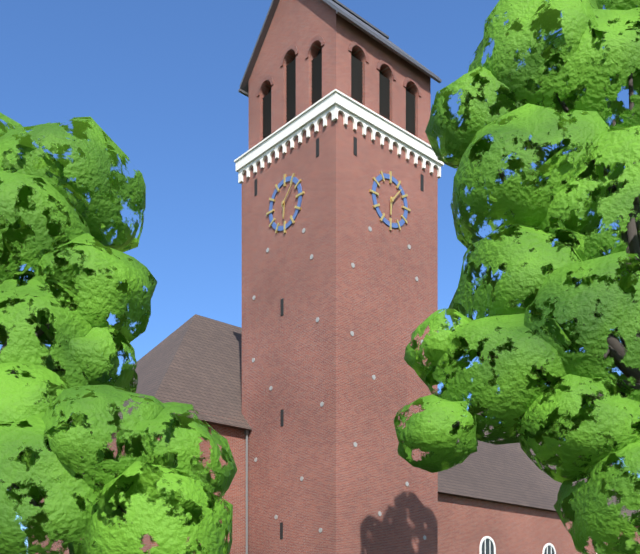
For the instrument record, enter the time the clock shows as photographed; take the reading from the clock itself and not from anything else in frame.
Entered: 6:07
